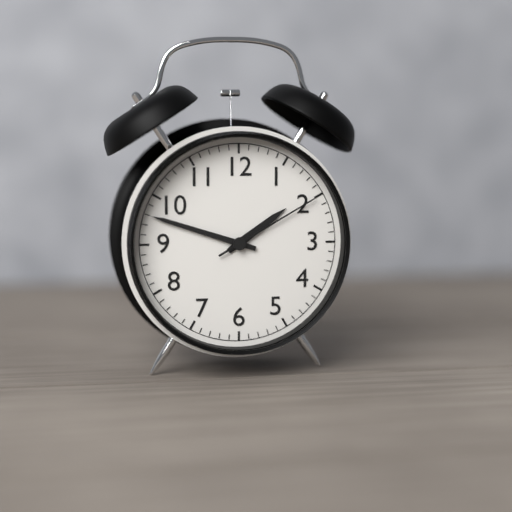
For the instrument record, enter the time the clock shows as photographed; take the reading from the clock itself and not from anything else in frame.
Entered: 1:48:10
